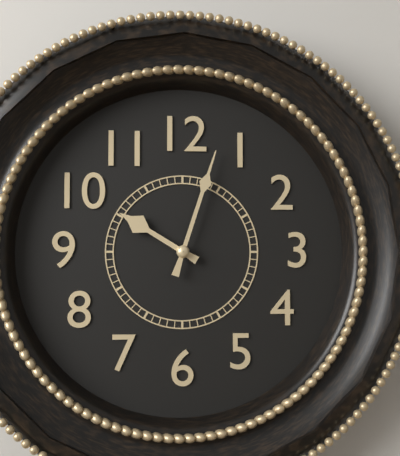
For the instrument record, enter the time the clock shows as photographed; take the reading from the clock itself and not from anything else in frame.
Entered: 10:03
